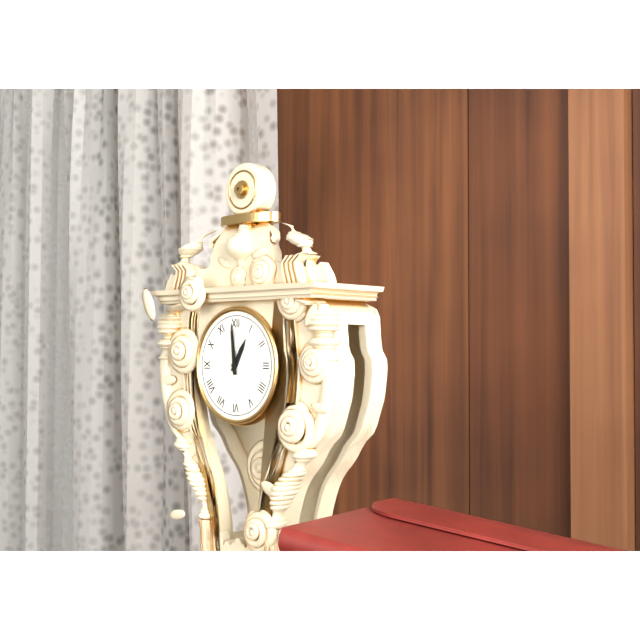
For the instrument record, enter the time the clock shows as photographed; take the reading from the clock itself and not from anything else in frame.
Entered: 12:59
